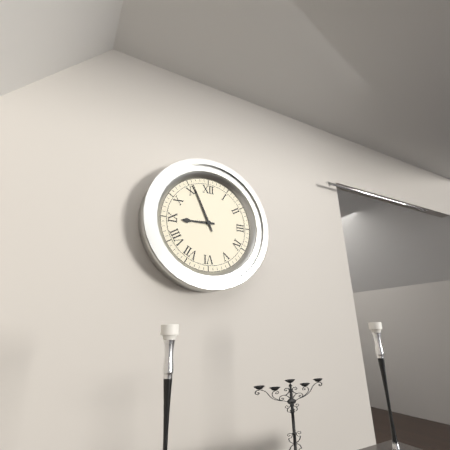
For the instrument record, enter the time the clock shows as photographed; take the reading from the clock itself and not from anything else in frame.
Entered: 8:56
